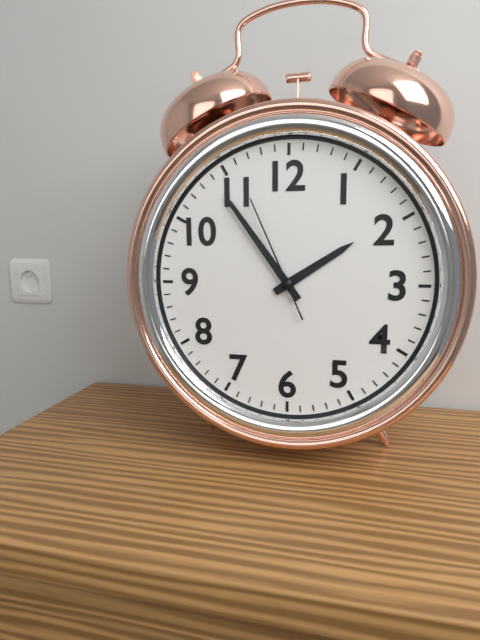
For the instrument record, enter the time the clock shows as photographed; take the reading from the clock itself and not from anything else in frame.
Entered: 1:54:56
